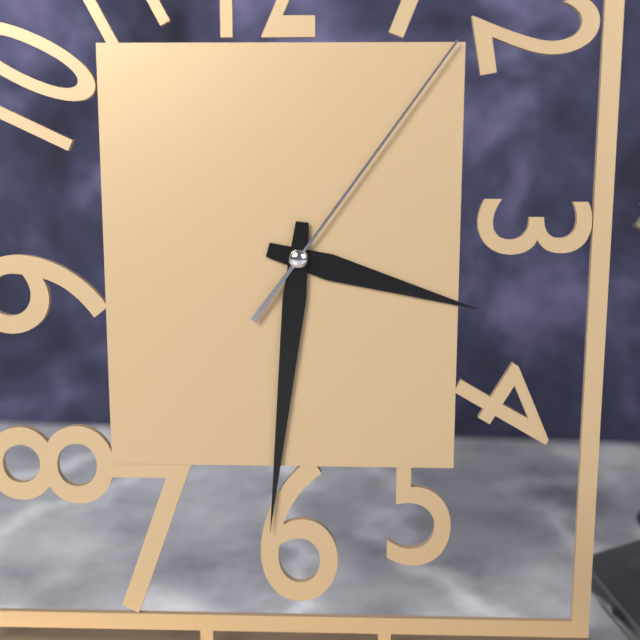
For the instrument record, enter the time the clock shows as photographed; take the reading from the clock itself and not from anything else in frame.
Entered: 3:31:06
